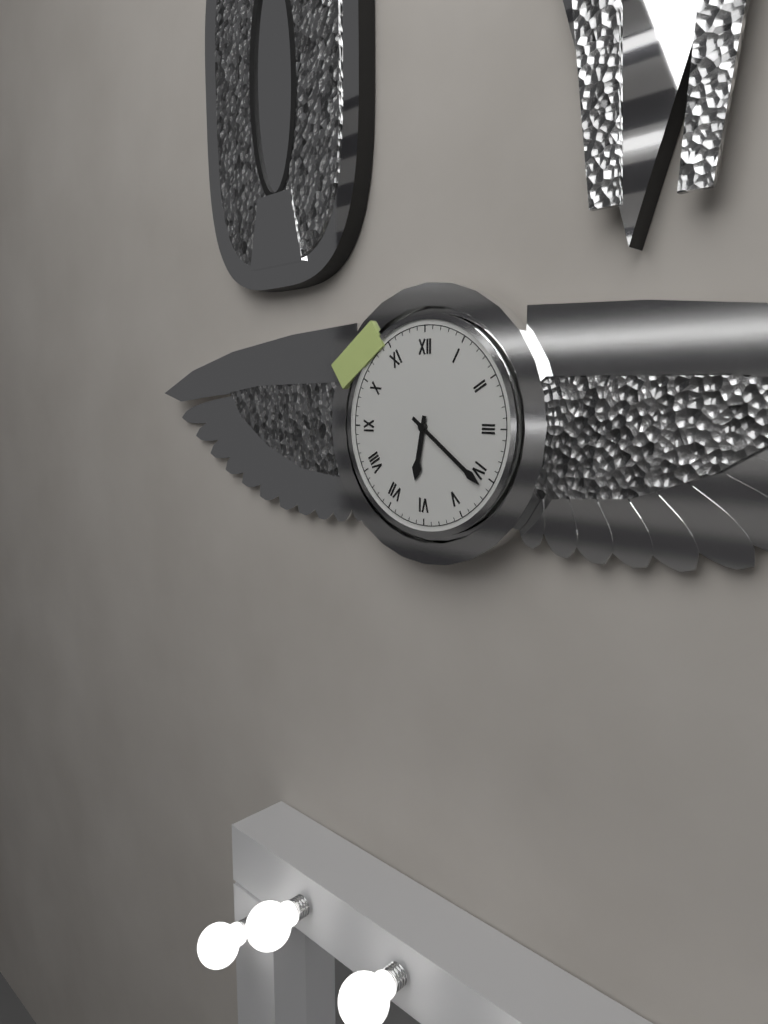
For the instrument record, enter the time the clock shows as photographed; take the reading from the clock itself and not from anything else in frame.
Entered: 6:21
